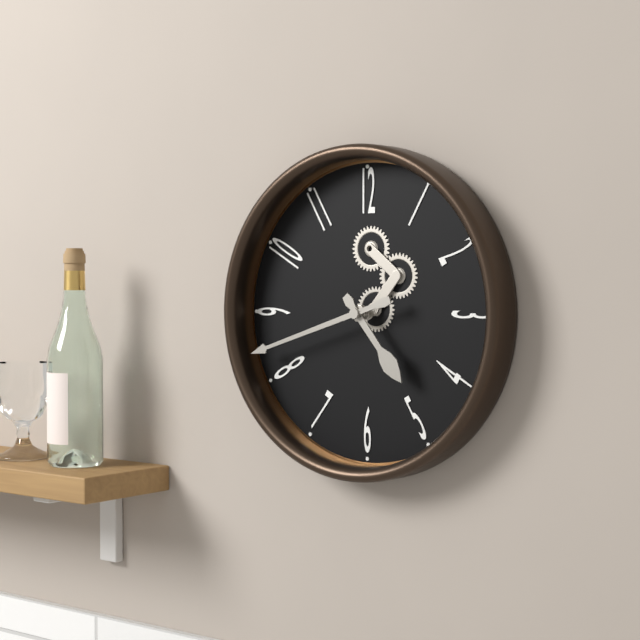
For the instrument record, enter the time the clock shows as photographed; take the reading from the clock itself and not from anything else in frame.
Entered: 4:42
